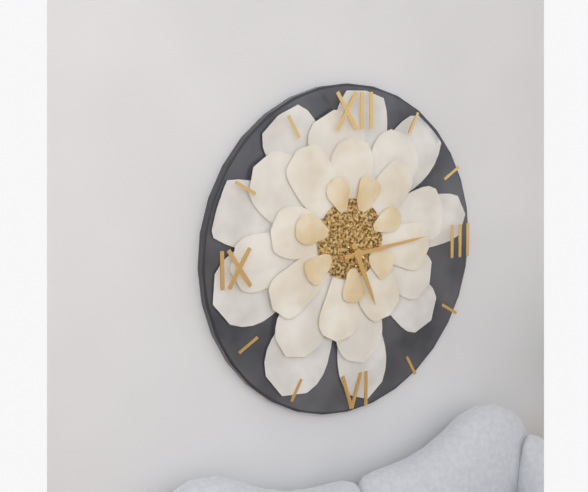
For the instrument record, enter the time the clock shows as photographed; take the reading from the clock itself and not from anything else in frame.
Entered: 5:14
